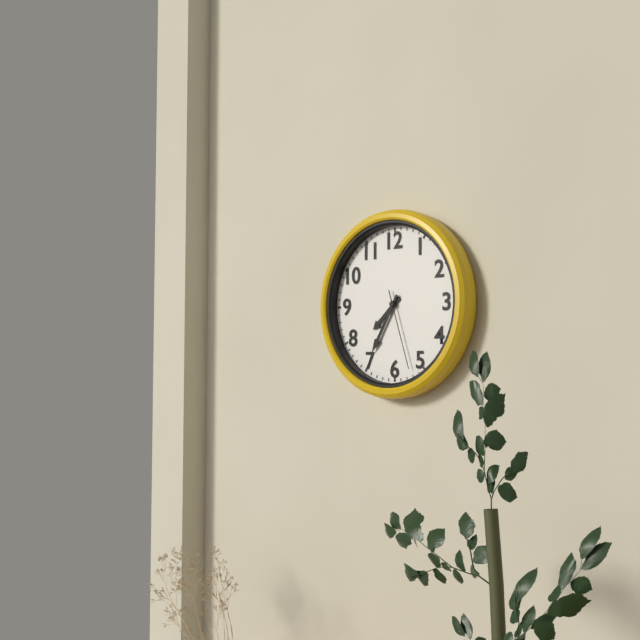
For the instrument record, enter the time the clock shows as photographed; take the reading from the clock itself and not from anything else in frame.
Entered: 7:35:27
